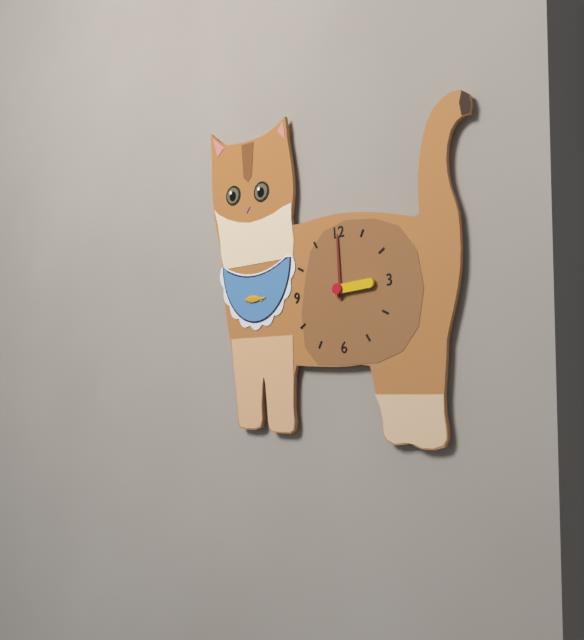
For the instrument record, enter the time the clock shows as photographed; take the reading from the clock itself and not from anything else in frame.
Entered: 3:00
